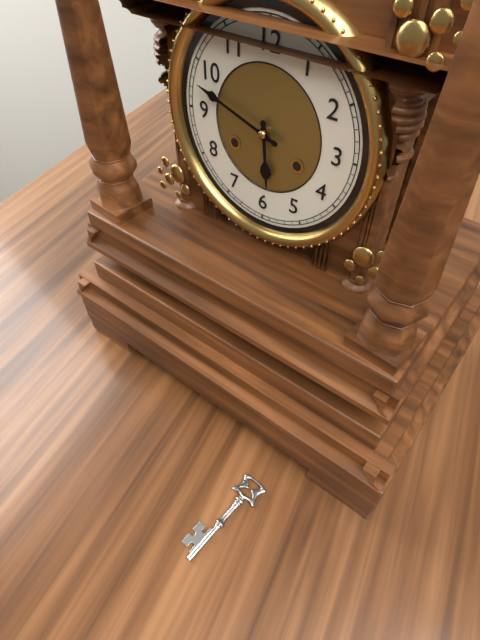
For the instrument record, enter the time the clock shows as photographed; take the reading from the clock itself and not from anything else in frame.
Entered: 5:48
